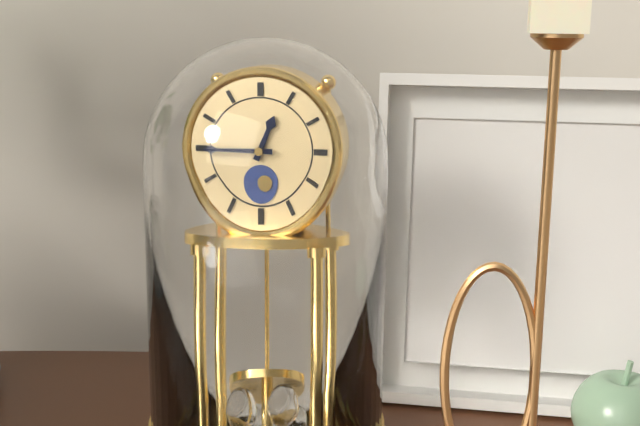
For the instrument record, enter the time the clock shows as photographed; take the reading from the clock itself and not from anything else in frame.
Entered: 12:45
